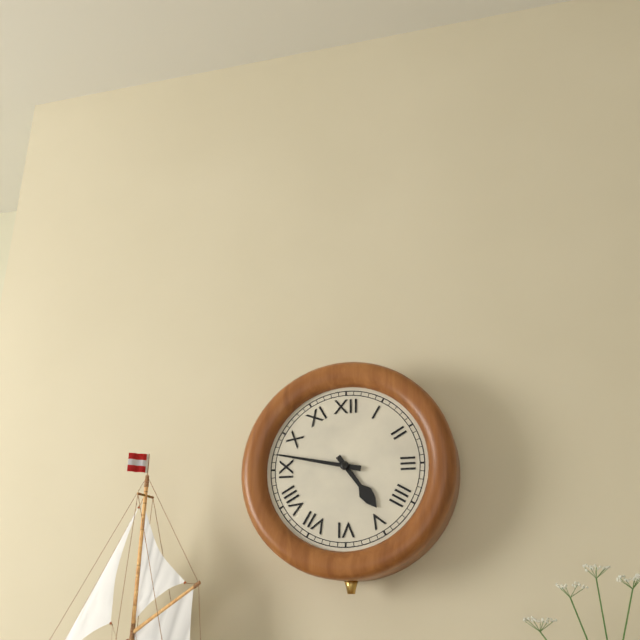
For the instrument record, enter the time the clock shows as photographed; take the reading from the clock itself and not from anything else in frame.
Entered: 4:47
